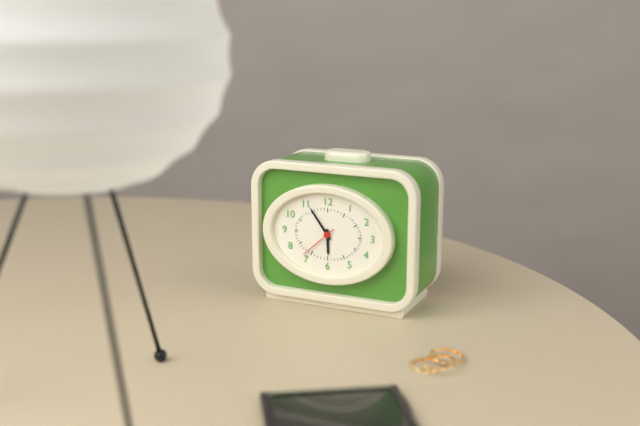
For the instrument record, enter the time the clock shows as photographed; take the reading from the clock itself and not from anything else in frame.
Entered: 5:54
